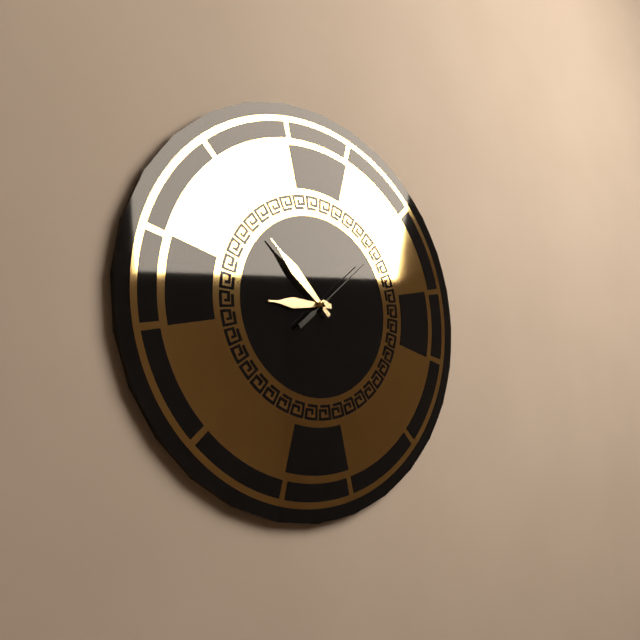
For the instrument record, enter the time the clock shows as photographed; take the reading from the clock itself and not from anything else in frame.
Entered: 8:52:08
